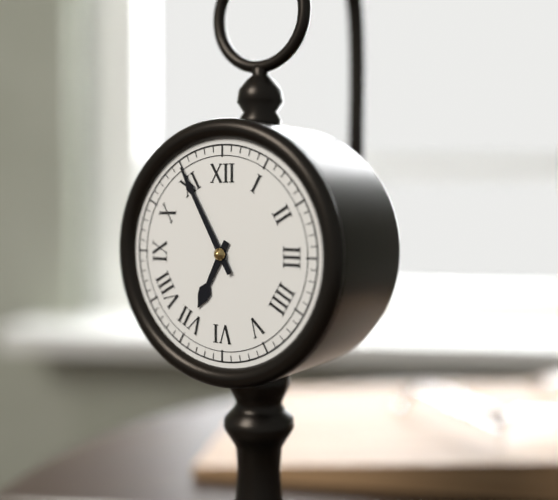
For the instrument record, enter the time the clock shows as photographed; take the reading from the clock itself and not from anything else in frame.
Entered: 6:55
